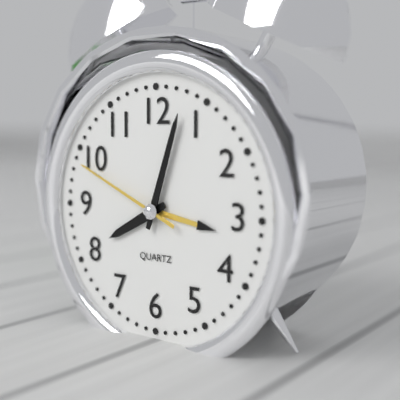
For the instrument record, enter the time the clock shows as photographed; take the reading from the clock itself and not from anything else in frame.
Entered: 8:03:49
